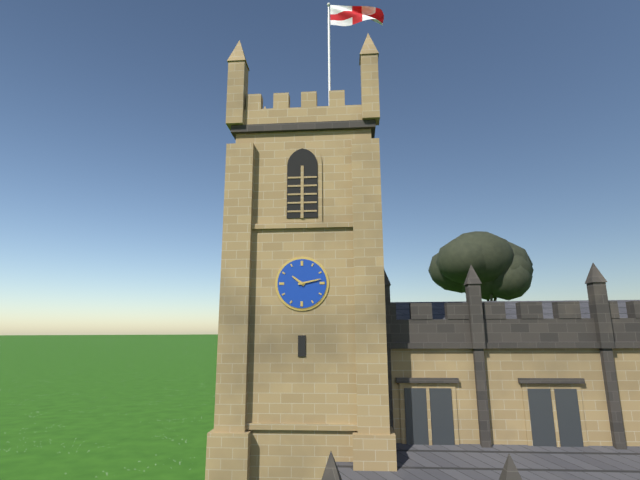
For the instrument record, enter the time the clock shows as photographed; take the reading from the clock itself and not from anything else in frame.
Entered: 10:13
